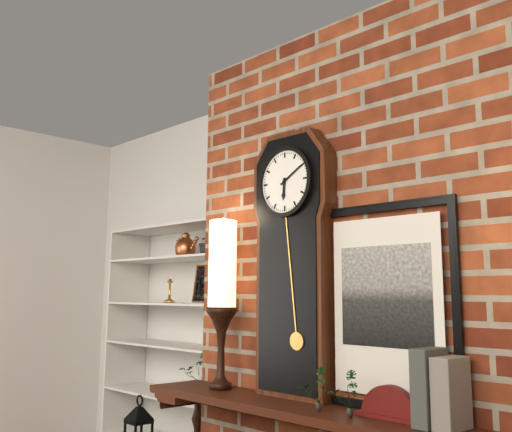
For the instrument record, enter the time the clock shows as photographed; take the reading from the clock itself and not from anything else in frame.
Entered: 6:10
